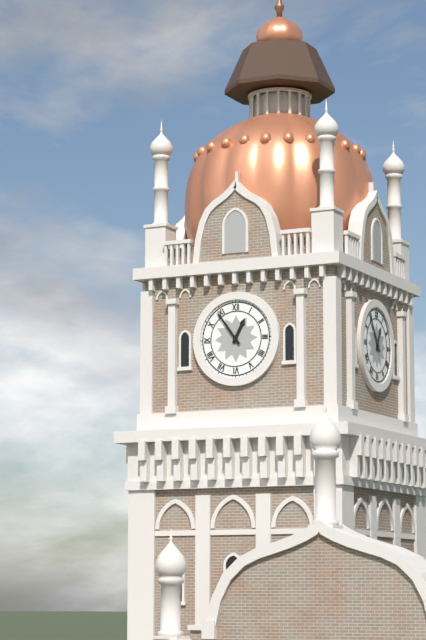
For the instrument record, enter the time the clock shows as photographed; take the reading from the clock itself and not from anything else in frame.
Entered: 12:54
